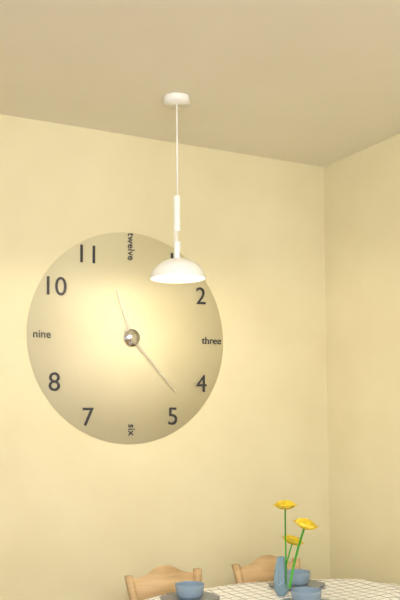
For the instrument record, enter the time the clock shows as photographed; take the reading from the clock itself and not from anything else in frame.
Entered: 11:23
